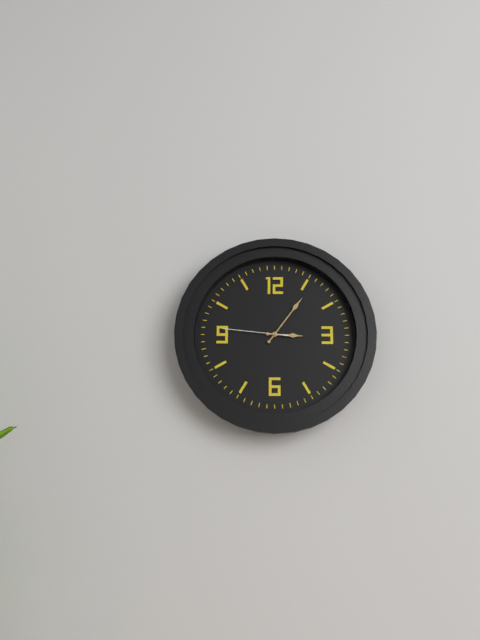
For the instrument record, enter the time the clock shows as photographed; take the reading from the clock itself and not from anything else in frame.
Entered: 3:06:46
